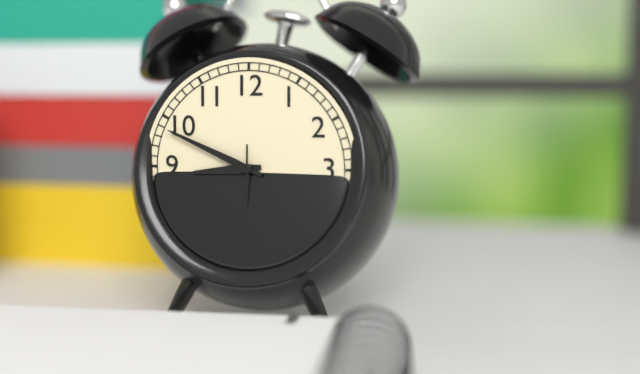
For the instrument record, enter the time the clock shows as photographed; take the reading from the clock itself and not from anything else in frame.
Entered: 8:49
